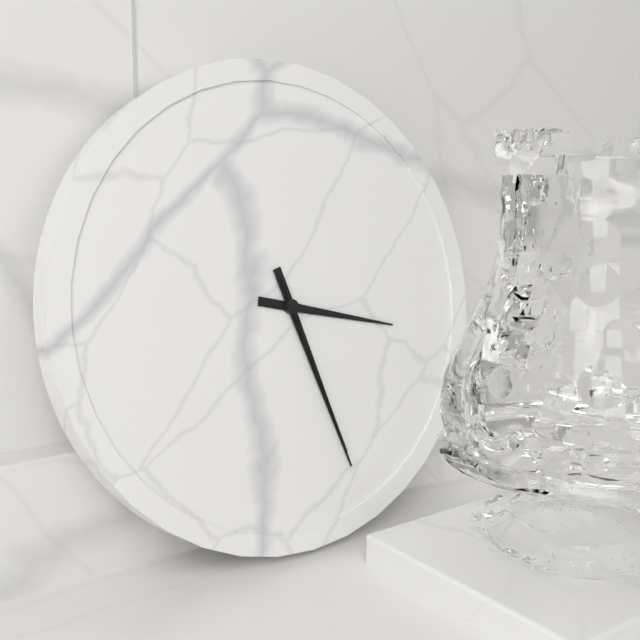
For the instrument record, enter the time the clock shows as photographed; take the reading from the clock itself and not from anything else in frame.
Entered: 3:27:27
